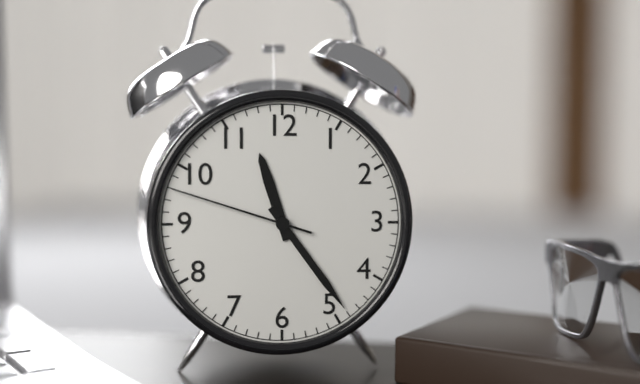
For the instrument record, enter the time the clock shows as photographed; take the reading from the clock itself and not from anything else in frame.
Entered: 11:24:48
